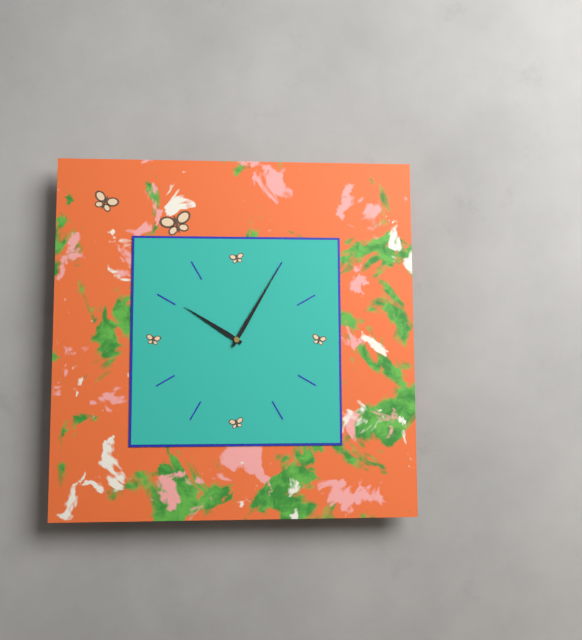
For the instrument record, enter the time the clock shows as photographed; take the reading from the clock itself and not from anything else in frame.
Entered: 10:05
